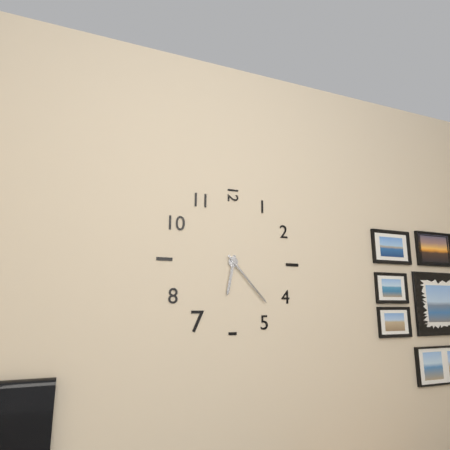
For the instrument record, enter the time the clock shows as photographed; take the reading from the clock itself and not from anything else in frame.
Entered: 6:23
